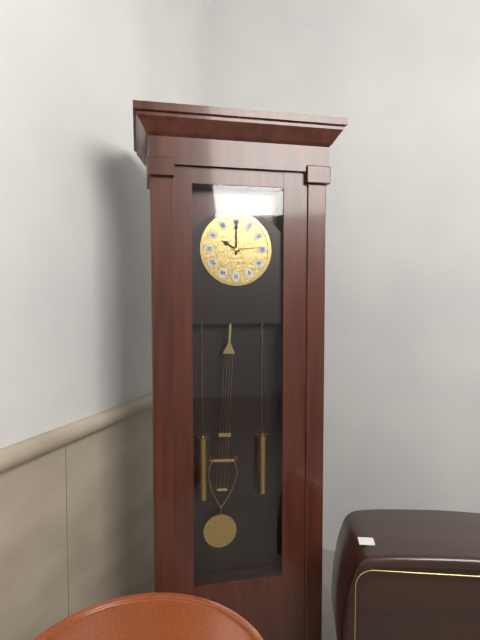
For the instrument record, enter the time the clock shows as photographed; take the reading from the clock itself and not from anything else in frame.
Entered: 10:00
